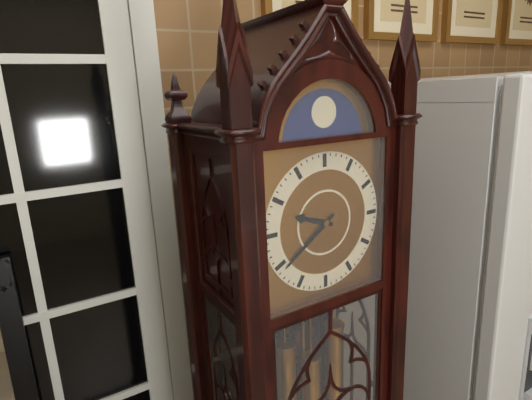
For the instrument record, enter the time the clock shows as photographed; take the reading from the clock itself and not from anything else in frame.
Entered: 9:39
